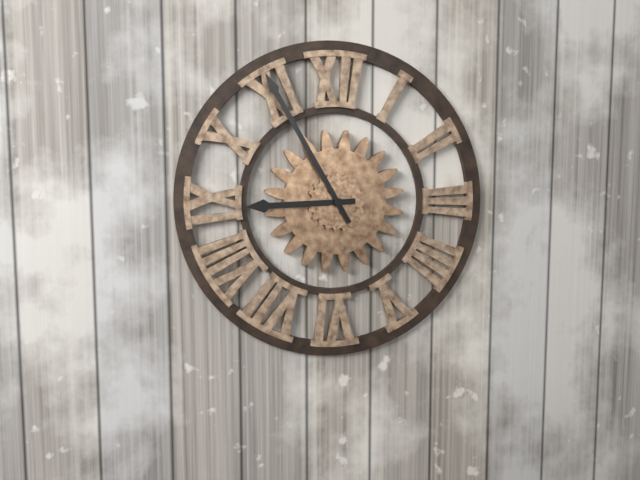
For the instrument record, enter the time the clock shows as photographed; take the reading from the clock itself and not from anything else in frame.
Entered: 8:55
